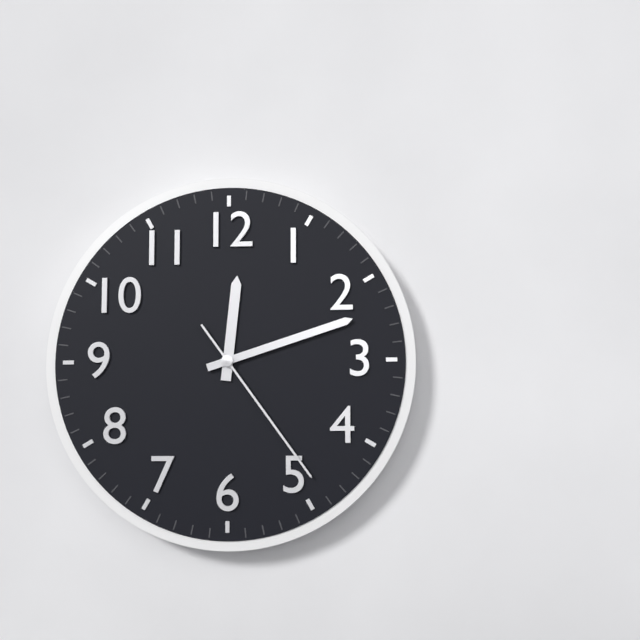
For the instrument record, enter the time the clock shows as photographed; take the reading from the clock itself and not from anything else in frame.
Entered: 12:12:24
